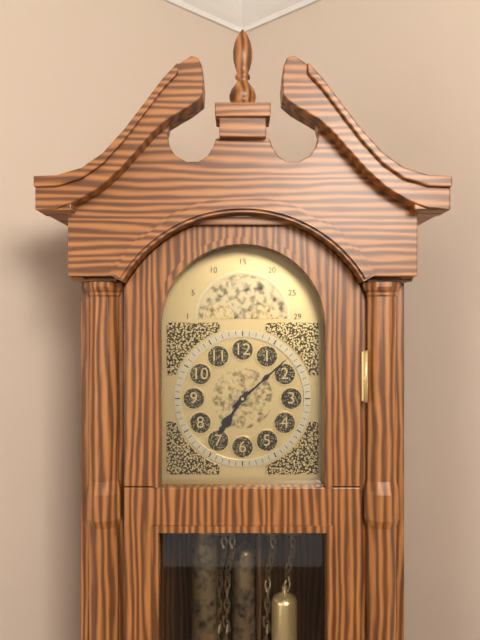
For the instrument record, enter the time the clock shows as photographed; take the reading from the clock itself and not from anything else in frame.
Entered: 7:08
